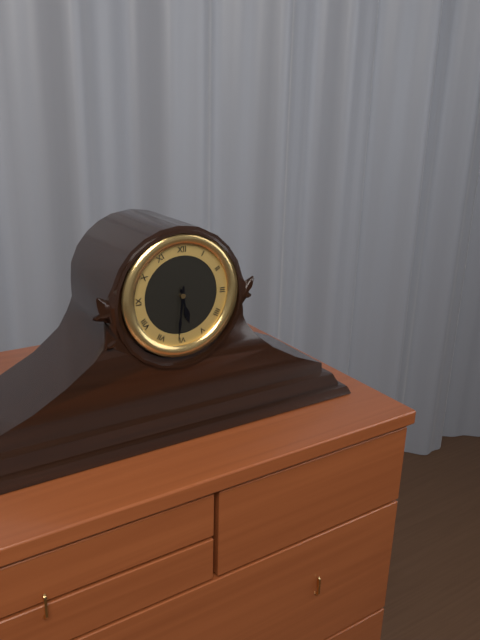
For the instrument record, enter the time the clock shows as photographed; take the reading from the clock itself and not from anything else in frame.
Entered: 5:31
